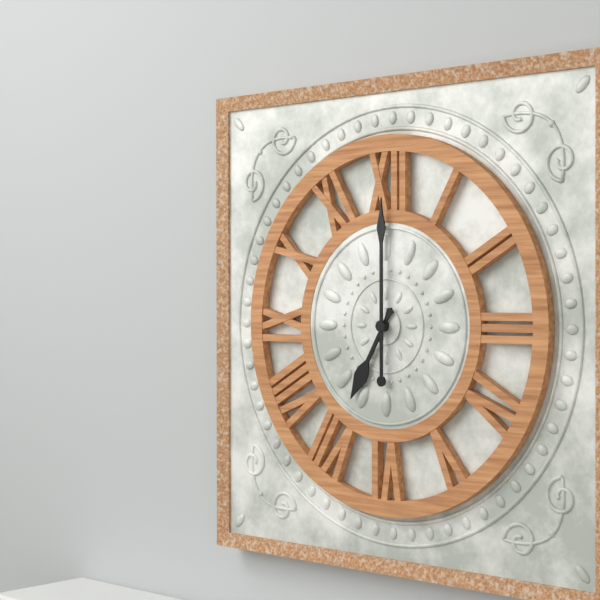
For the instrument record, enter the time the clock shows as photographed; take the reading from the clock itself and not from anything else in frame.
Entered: 7:00
